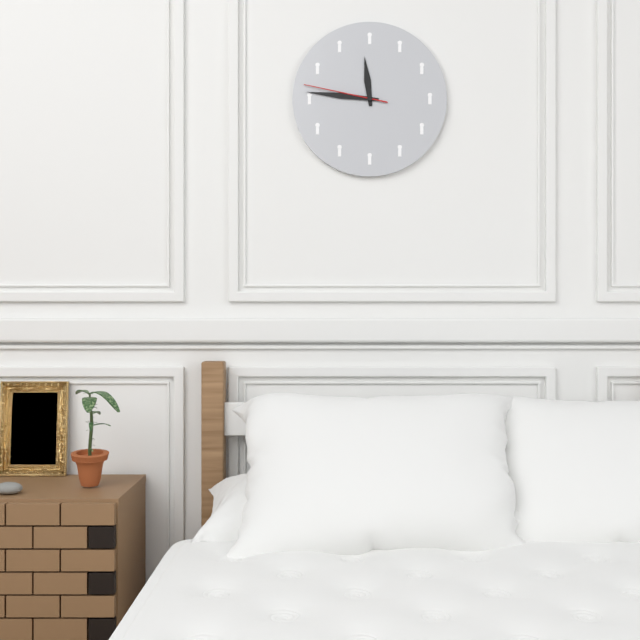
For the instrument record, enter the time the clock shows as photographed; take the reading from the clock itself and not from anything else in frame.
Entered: 11:46:47
